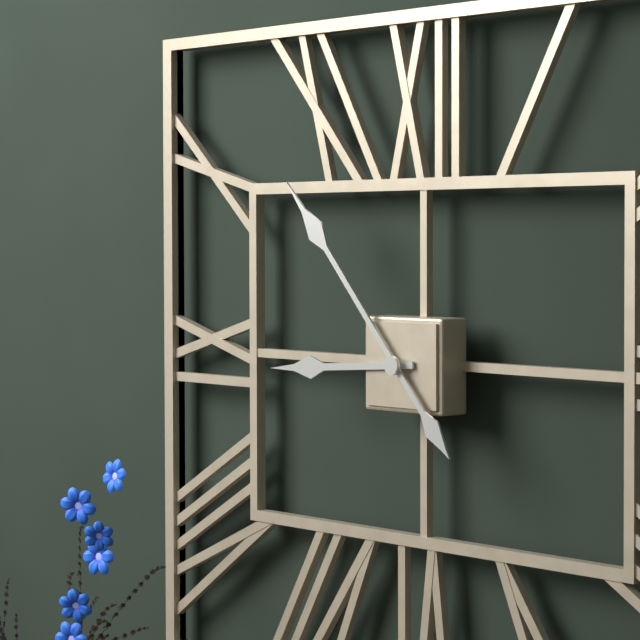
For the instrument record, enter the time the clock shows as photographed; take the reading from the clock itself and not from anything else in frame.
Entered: 8:53
